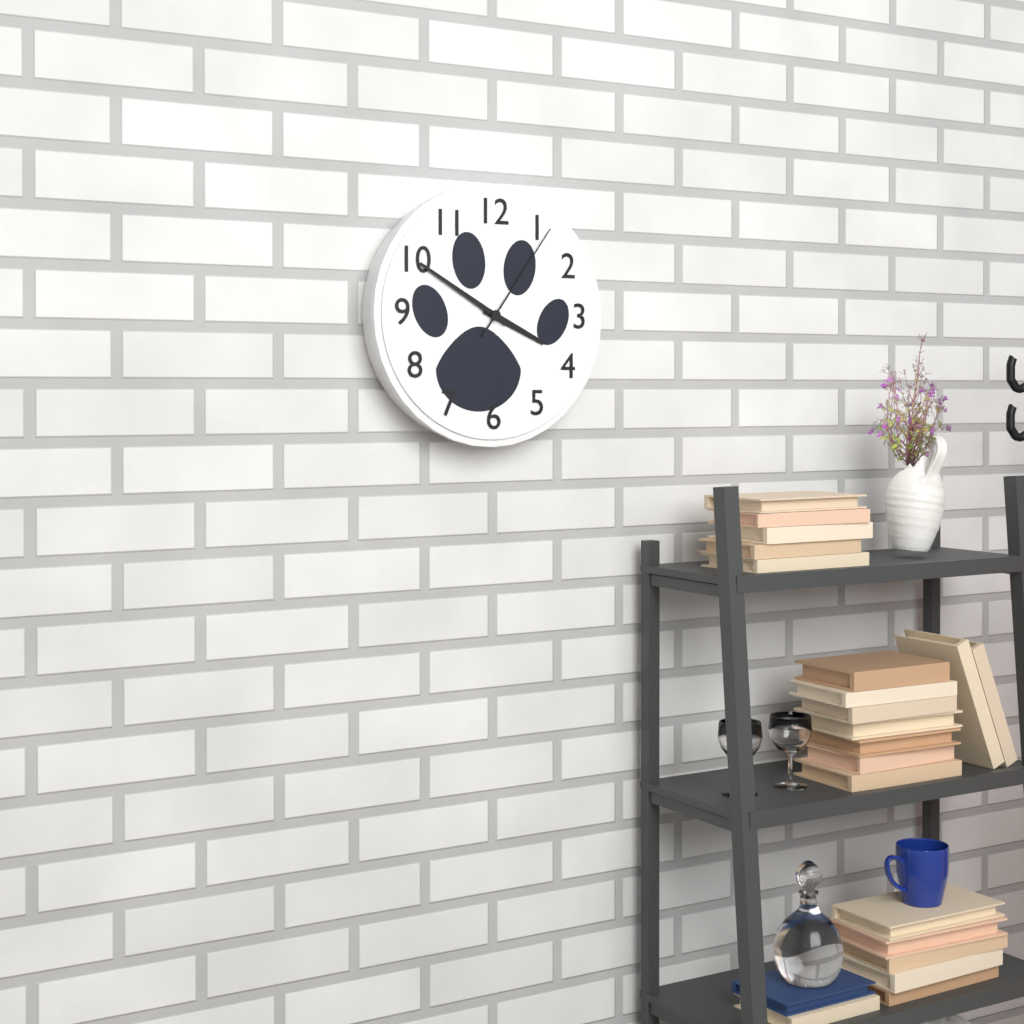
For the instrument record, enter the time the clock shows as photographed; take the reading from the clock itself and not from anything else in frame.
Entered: 3:50:06
